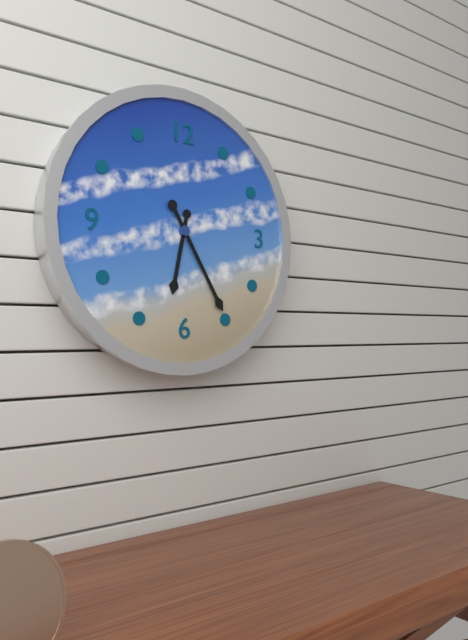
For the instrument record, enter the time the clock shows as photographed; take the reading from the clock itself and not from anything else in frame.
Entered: 6:25
